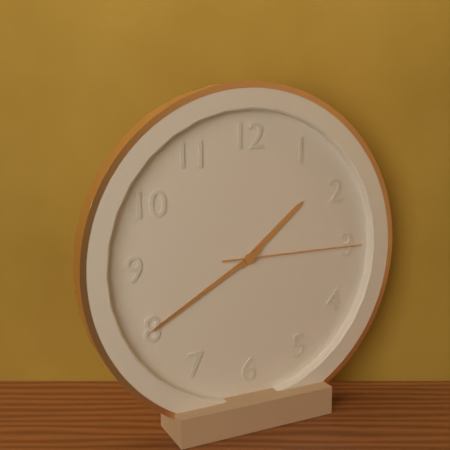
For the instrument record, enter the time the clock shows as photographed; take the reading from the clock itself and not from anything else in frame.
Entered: 1:40:15
